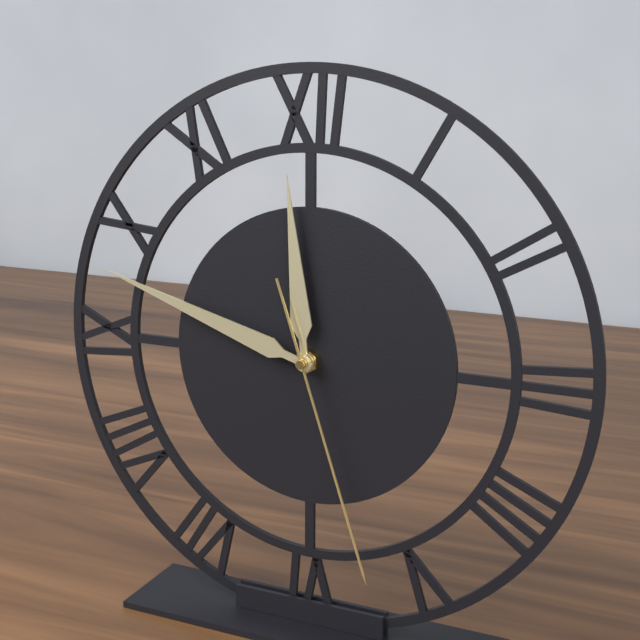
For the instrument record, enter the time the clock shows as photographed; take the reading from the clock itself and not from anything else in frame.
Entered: 11:48:27
